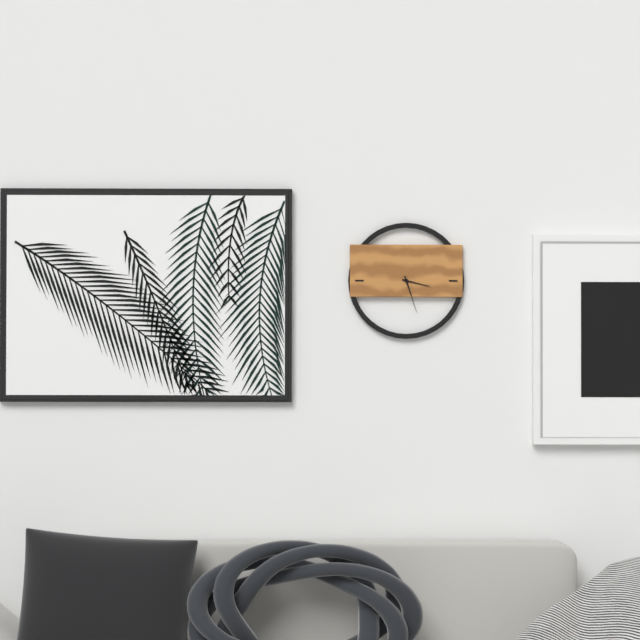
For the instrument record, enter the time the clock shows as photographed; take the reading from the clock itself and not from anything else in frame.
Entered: 3:27
